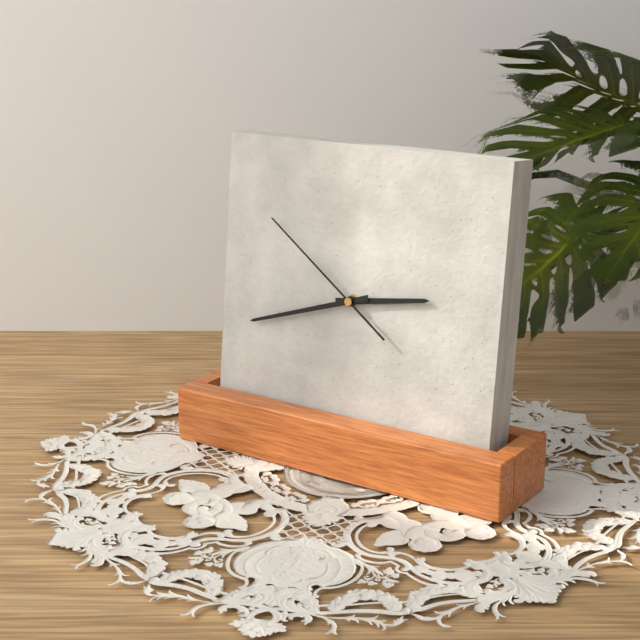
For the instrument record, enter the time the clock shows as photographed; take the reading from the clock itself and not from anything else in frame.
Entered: 2:42:51
